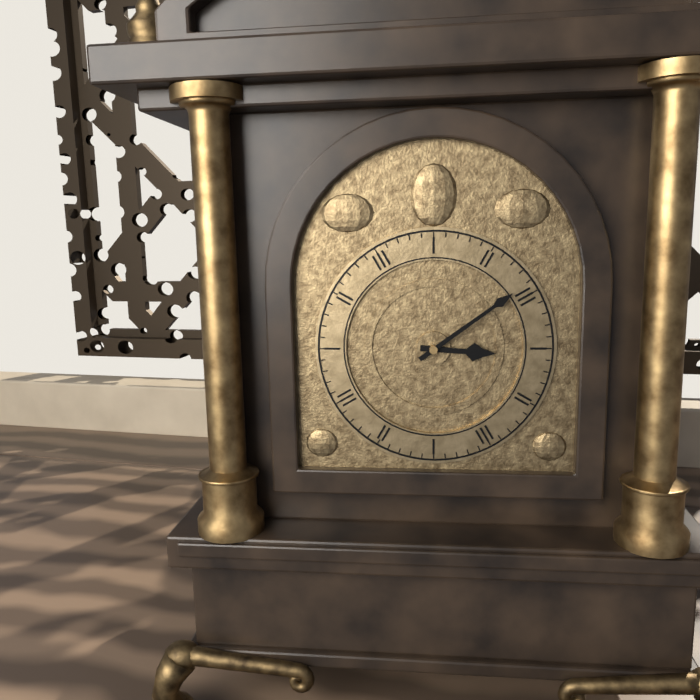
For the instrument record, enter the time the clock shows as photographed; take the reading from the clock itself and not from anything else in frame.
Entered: 3:09
